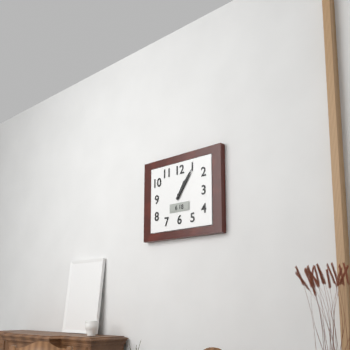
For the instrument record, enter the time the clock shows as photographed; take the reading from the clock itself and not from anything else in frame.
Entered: 1:06
